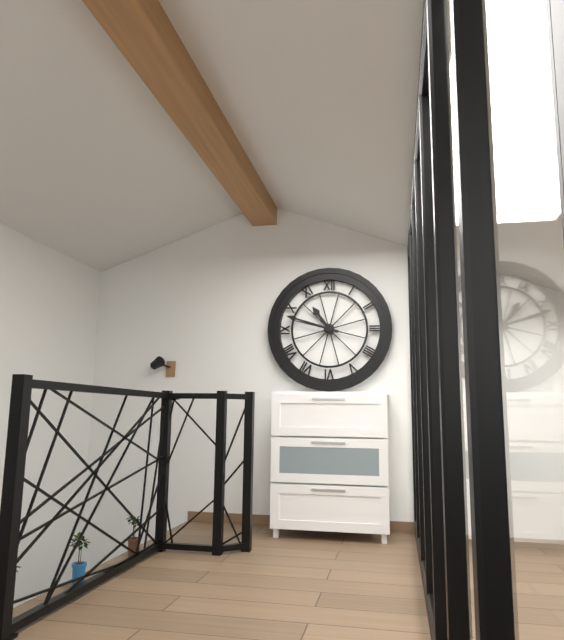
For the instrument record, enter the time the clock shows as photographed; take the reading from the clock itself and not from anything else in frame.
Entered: 10:48
